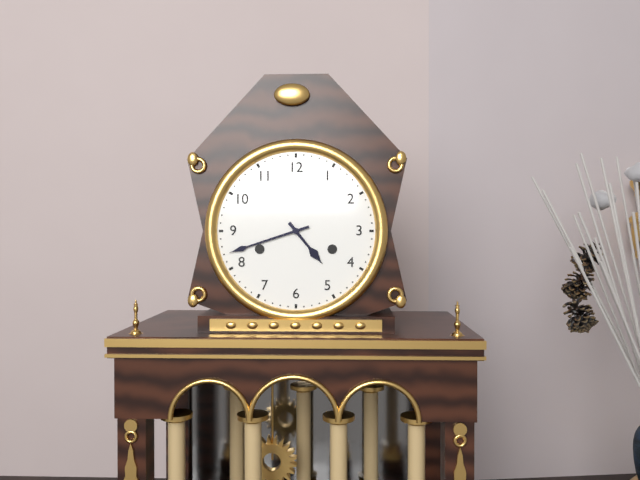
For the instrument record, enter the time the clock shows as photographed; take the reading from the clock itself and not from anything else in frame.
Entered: 4:42
